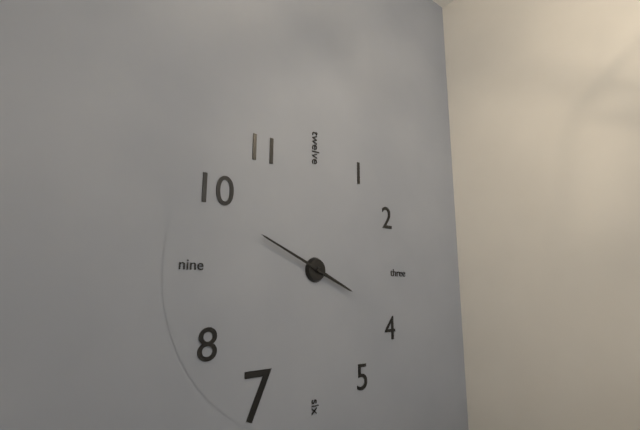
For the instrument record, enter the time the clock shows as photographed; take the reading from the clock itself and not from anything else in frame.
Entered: 3:49
